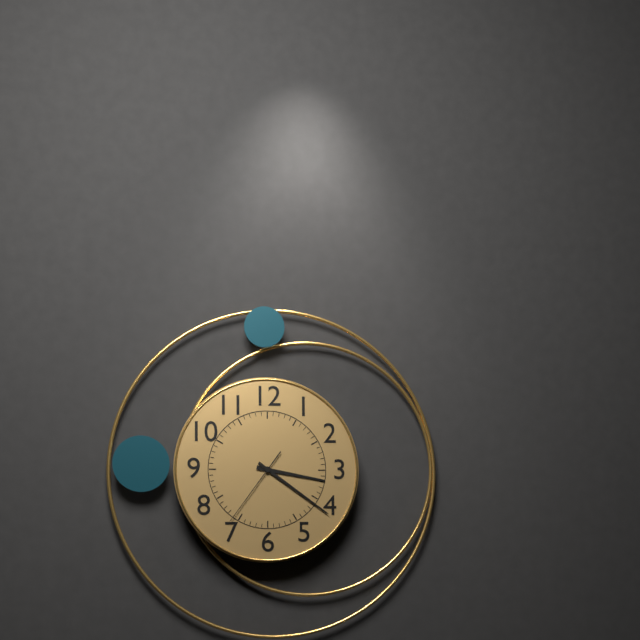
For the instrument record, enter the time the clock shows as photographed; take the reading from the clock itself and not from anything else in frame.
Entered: 3:21:36
